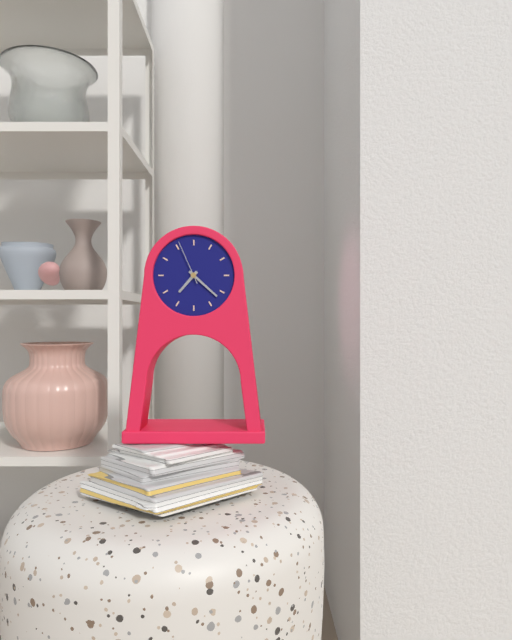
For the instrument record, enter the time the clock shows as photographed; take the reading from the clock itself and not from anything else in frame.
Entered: 7:22
